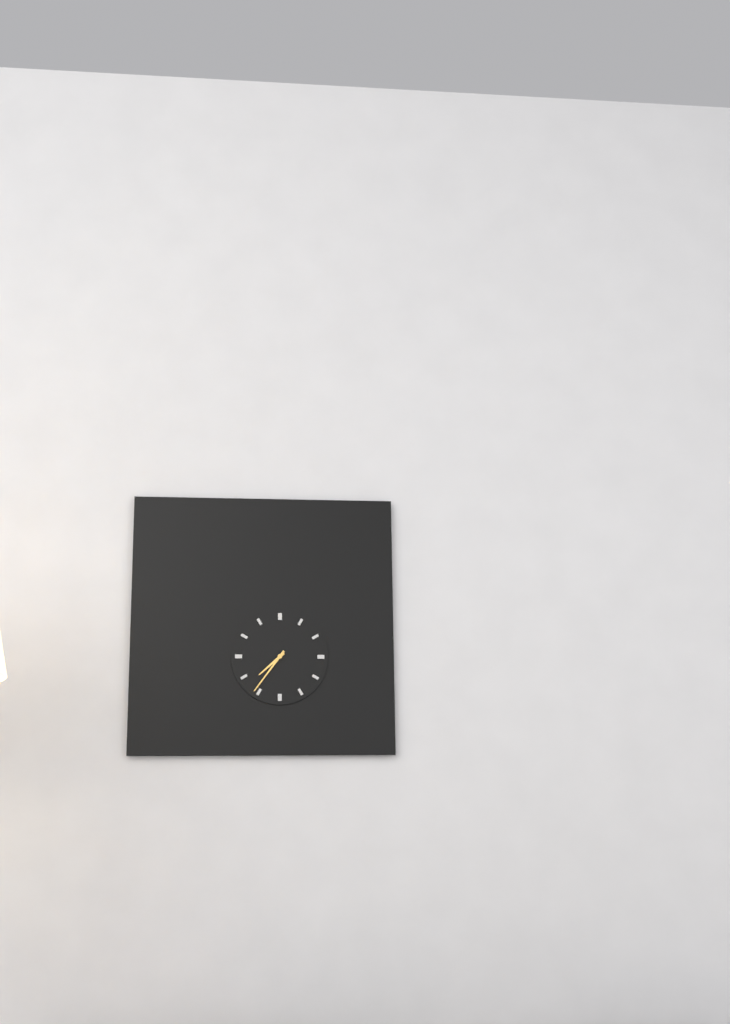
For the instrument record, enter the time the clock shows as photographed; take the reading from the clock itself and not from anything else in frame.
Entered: 7:36
